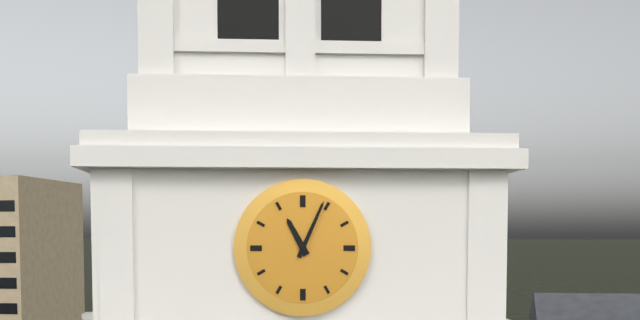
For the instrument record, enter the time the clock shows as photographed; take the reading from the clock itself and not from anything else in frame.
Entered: 11:04
